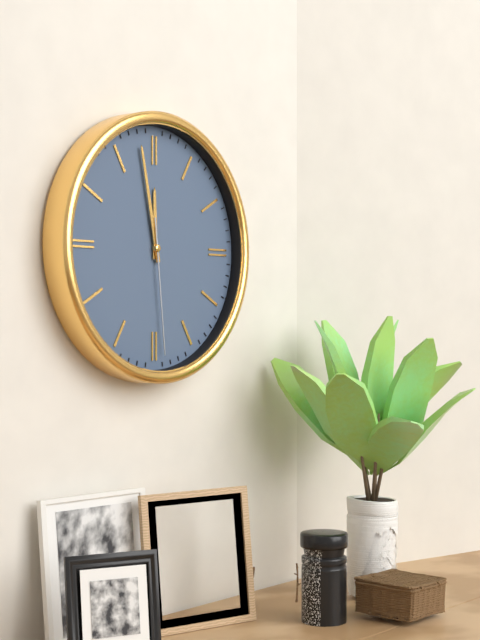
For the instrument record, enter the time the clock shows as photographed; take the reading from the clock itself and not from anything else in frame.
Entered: 11:58:29
